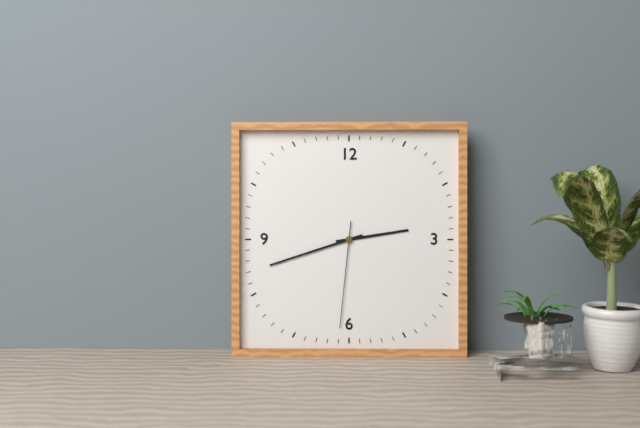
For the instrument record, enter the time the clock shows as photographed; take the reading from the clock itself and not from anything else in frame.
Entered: 2:42:31
